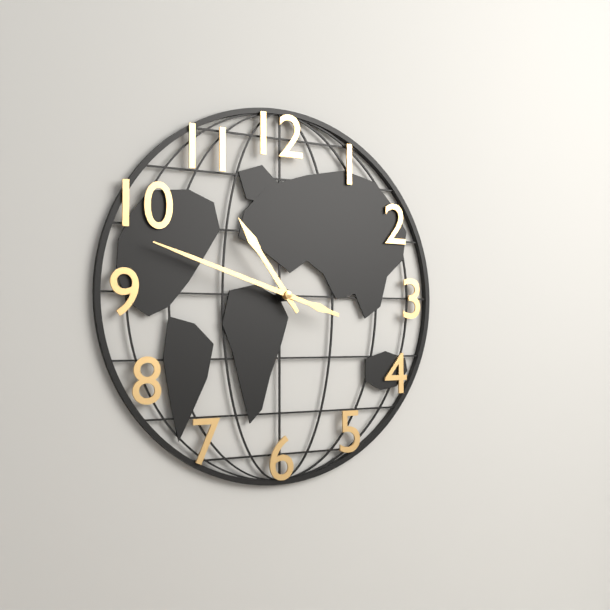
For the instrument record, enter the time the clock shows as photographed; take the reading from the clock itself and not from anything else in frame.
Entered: 10:48
